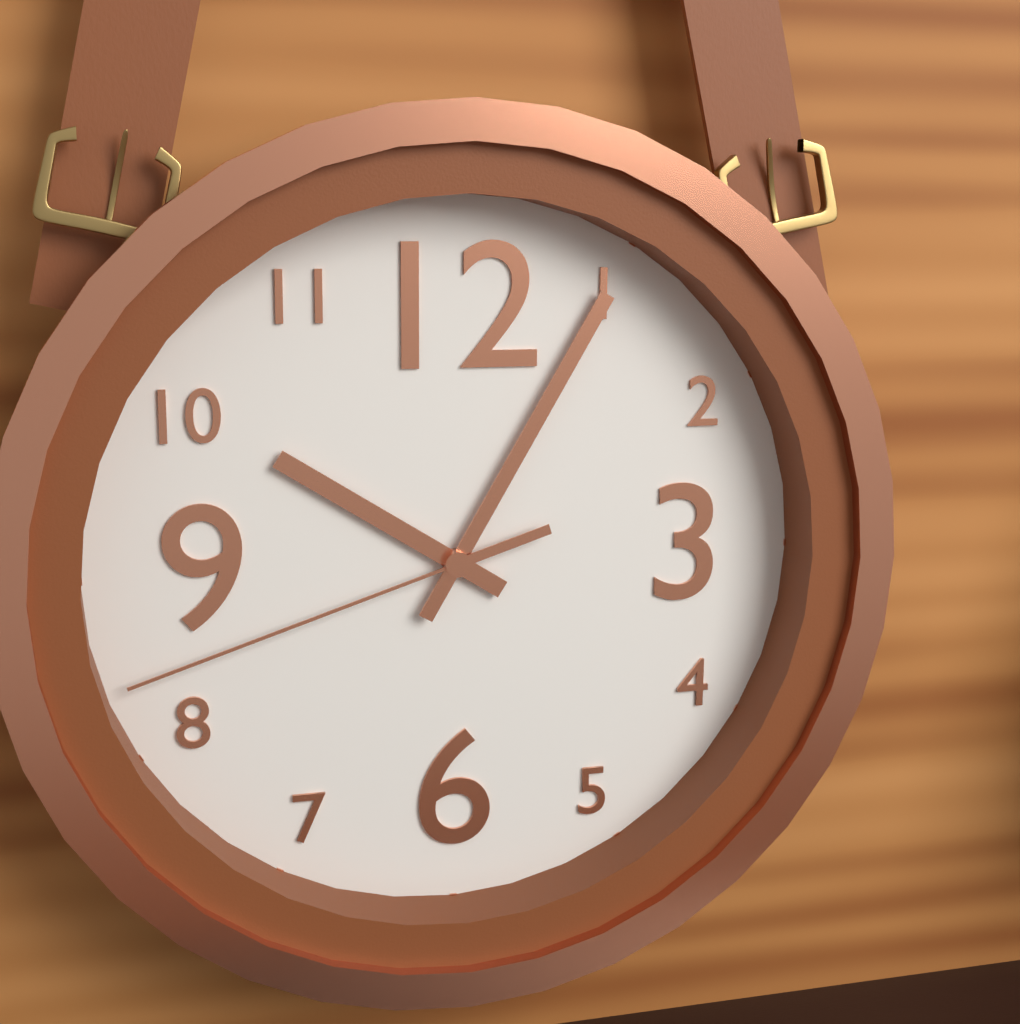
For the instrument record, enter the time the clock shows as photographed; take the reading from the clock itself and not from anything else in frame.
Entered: 10:05:42
